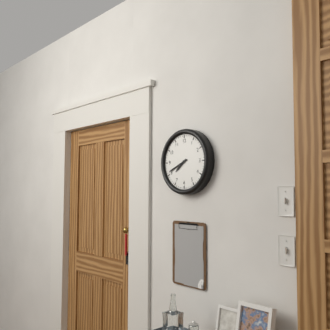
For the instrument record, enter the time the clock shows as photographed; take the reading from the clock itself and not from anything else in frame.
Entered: 7:41
